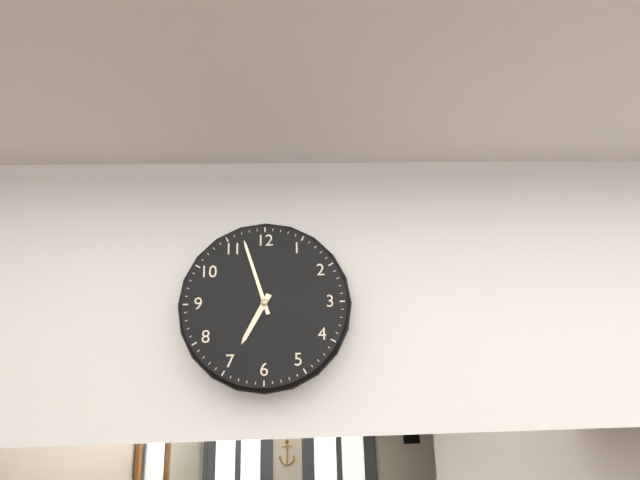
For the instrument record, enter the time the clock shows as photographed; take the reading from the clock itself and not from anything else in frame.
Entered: 6:57
